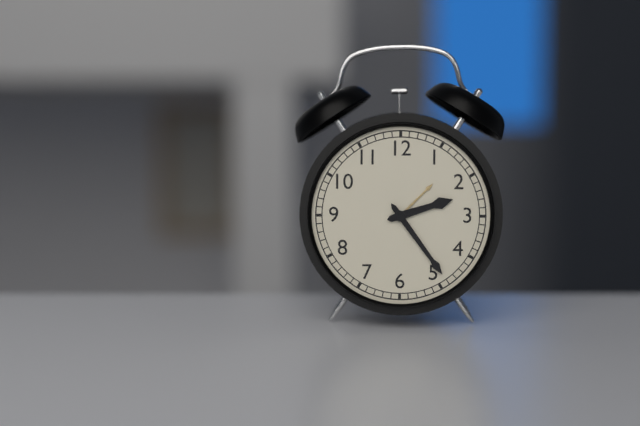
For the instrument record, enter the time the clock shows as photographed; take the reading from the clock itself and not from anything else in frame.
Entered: 2:24
